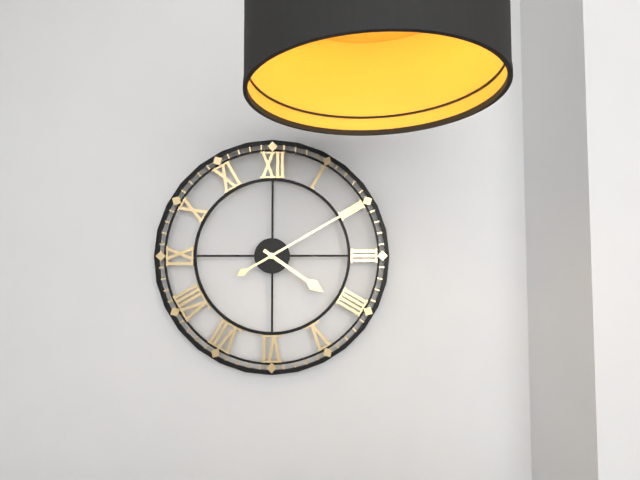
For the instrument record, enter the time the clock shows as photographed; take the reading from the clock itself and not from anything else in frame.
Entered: 4:10
